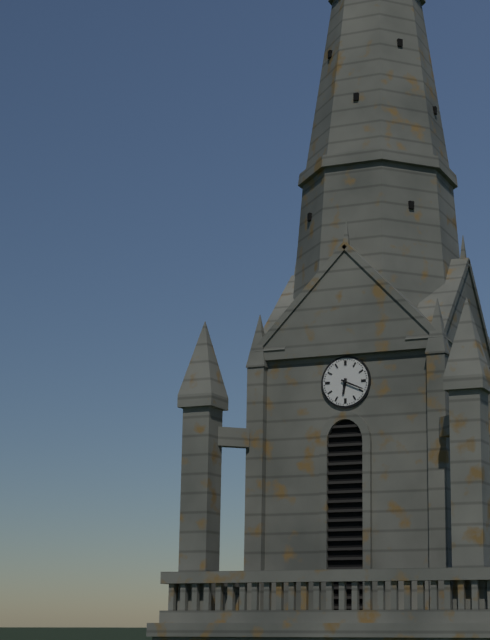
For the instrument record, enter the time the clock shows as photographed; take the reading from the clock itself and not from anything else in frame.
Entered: 6:19
